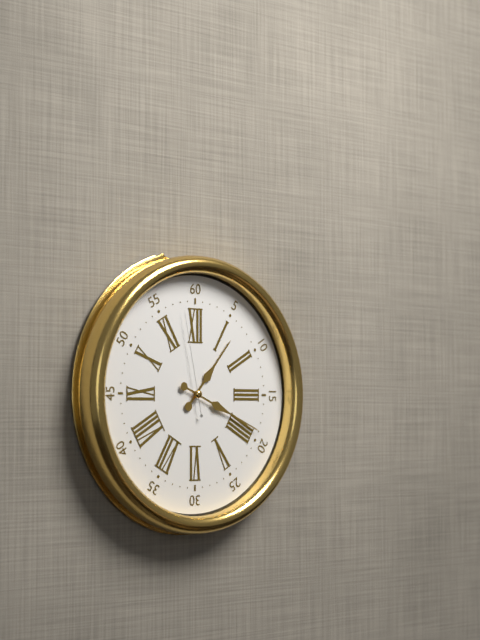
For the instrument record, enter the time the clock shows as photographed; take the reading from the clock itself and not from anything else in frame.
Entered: 1:19:58
